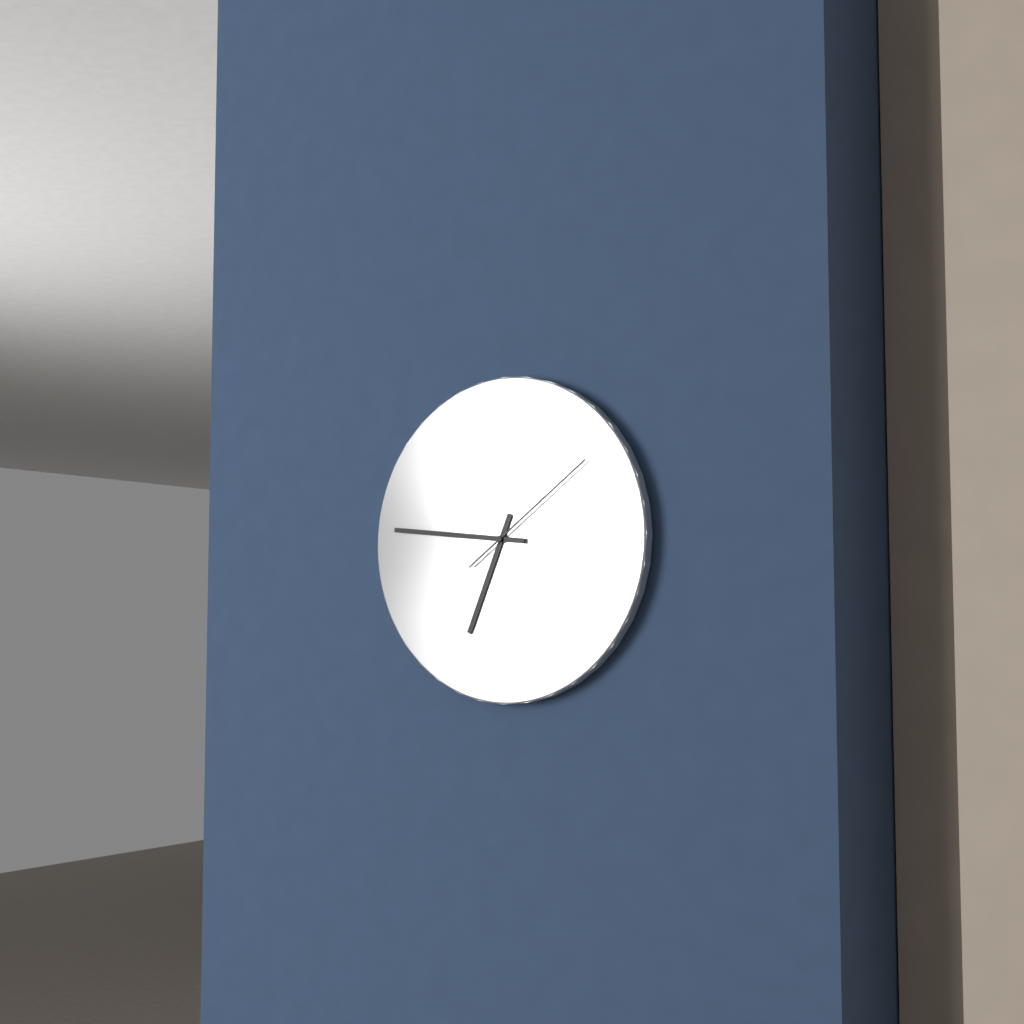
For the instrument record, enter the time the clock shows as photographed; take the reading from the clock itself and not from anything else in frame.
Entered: 6:46:09
